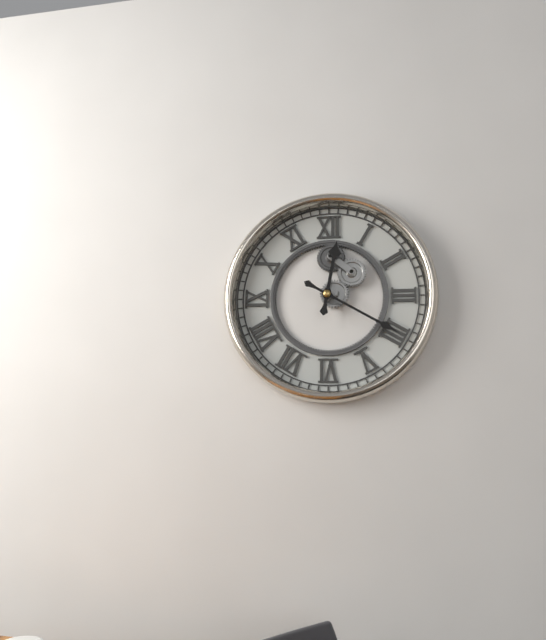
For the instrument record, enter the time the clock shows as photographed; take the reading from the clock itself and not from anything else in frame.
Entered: 12:20
